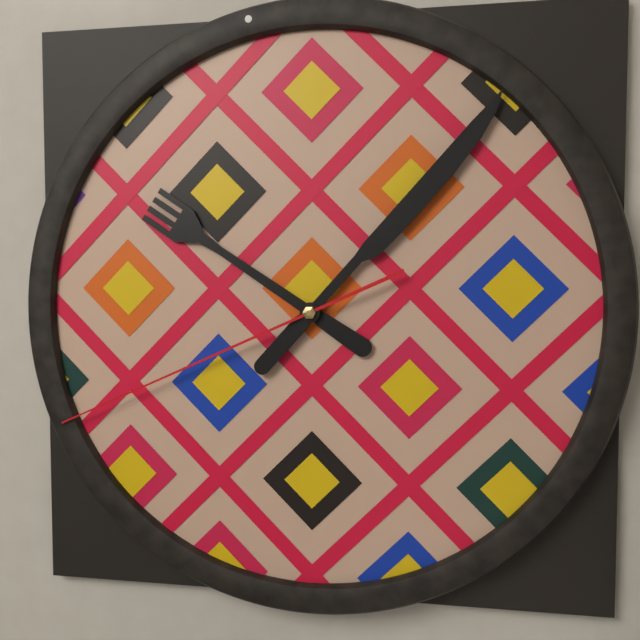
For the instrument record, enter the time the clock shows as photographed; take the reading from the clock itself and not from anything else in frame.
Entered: 10:07:41
